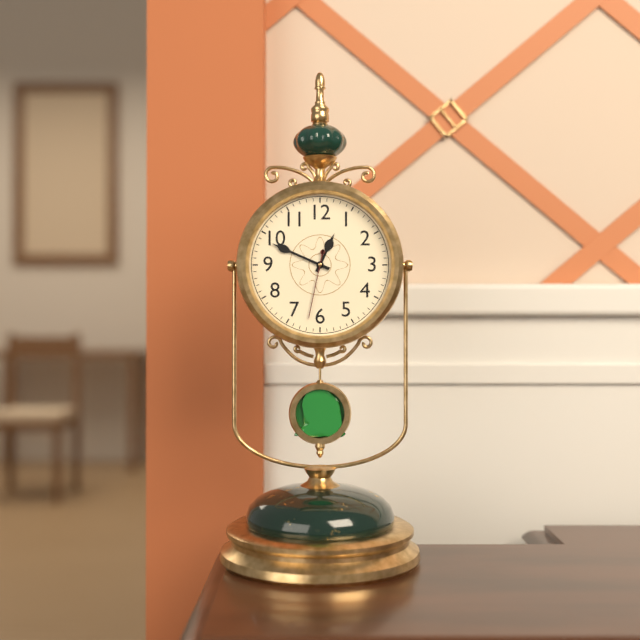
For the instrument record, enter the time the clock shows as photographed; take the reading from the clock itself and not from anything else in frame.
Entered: 12:49:32
